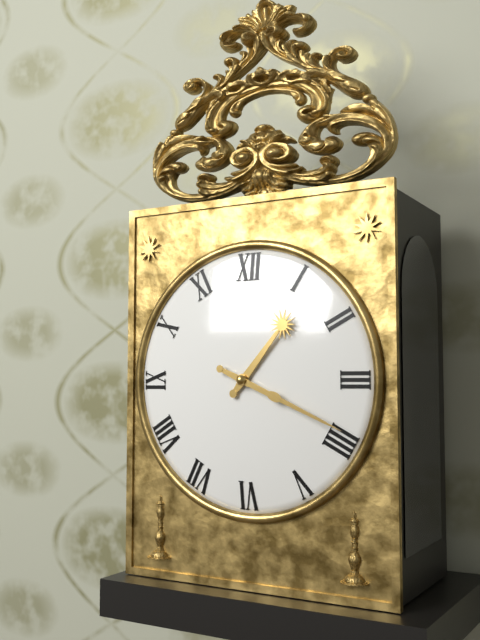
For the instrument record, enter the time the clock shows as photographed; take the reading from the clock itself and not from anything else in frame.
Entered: 1:19
